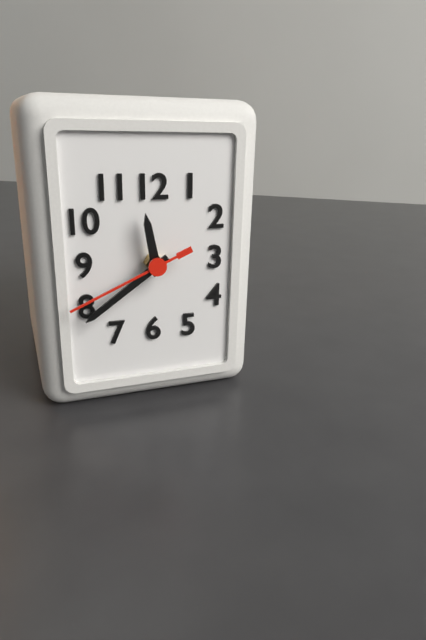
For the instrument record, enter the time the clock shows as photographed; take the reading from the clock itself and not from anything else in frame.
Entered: 11:39:41
